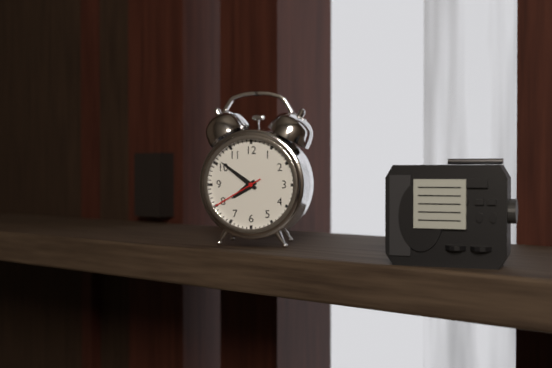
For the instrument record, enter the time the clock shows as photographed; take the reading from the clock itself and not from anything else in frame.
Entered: 7:51:40
